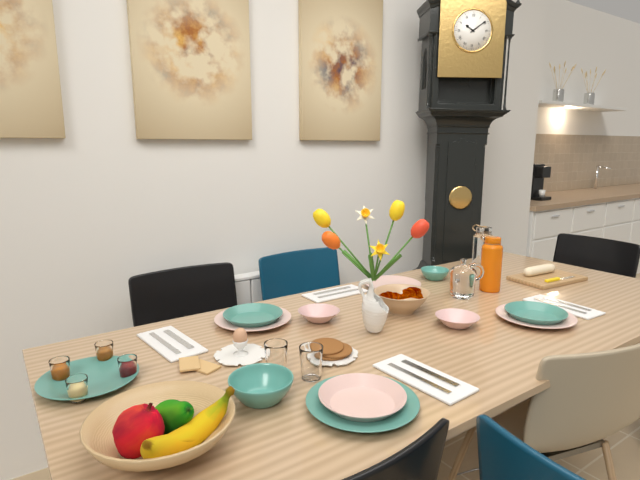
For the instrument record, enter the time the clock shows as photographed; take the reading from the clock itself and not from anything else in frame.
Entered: 10:09
